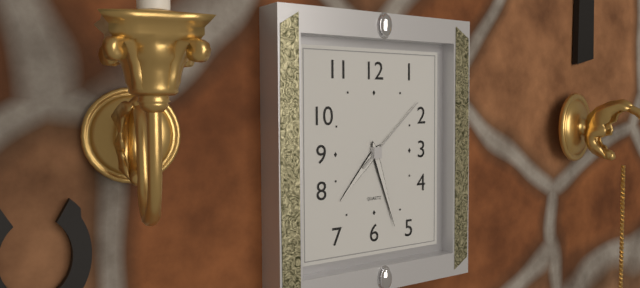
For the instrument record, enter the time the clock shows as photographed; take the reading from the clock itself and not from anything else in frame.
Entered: 7:27:08
